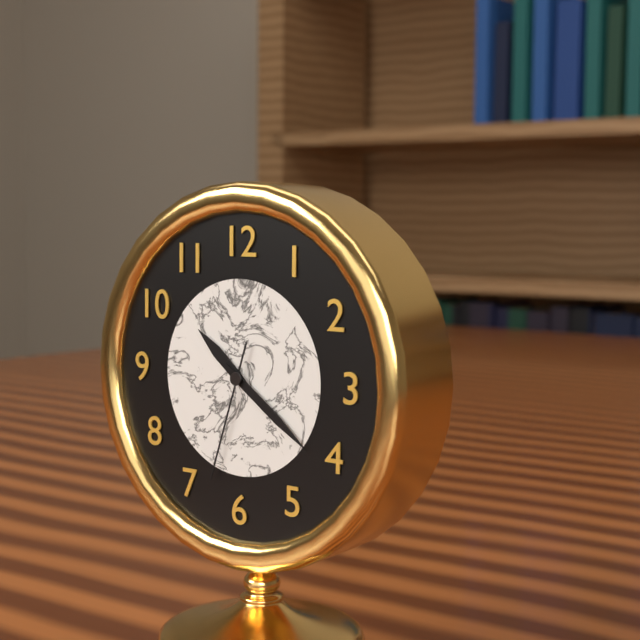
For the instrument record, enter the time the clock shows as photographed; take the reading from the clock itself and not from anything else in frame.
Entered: 10:21:33
